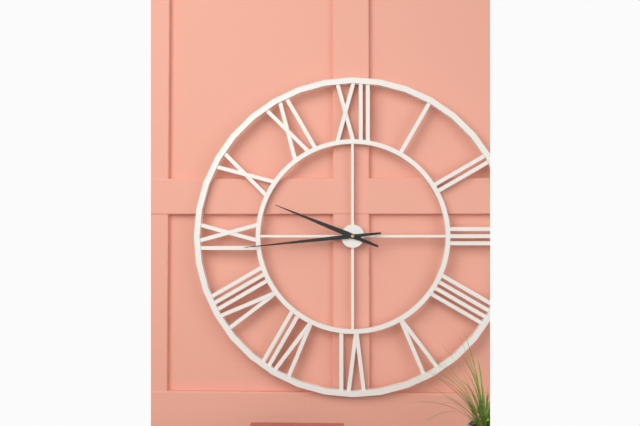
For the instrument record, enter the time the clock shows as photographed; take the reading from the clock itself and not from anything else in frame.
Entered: 9:44
